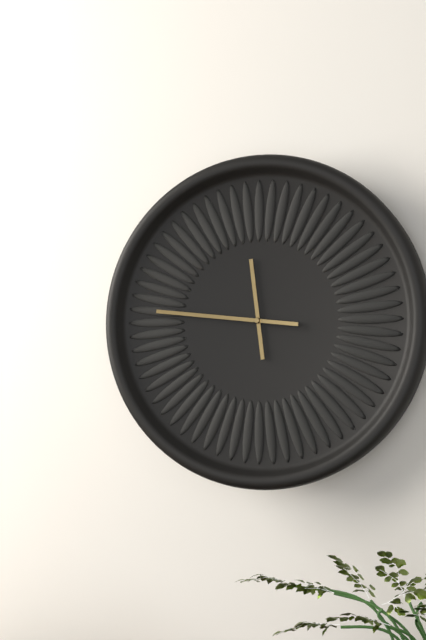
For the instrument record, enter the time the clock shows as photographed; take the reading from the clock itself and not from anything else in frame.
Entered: 11:46
